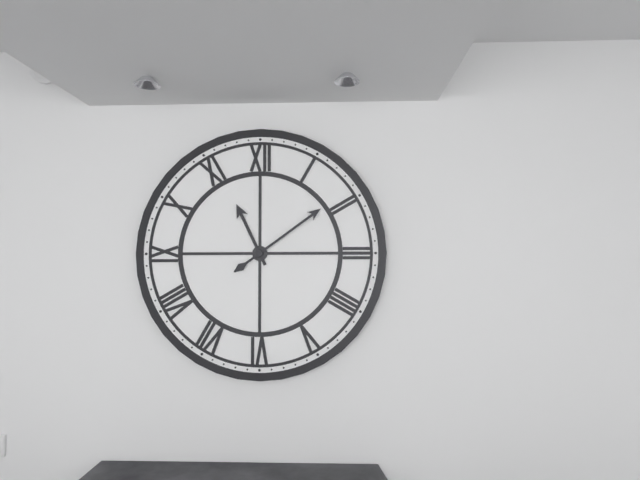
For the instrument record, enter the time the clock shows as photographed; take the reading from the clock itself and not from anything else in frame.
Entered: 11:09
